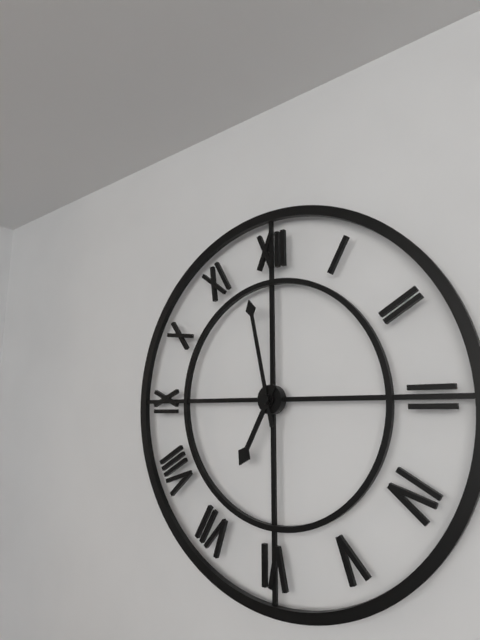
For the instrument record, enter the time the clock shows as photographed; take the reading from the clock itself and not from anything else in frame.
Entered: 6:58
